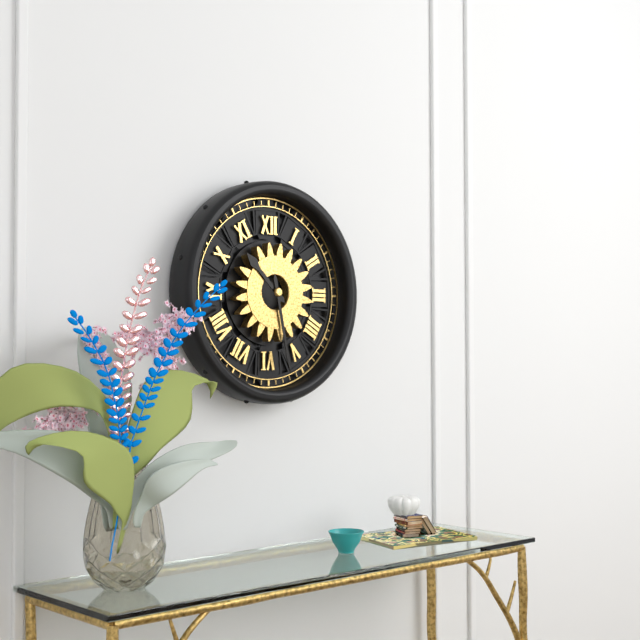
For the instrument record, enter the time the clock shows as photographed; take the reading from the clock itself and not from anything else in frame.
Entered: 10:28
